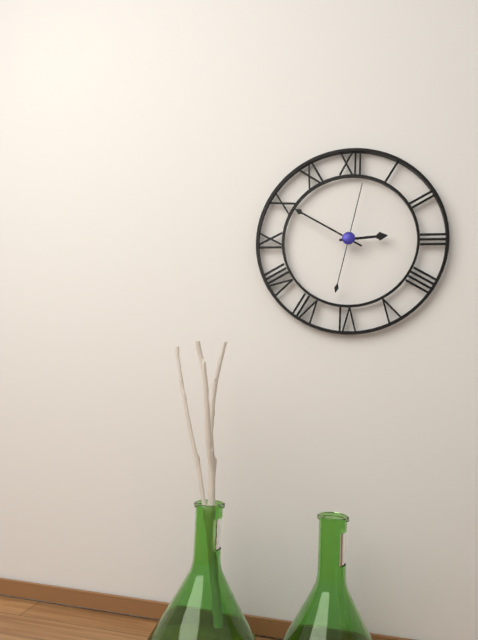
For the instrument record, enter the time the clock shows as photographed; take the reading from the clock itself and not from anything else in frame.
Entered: 2:50:02
